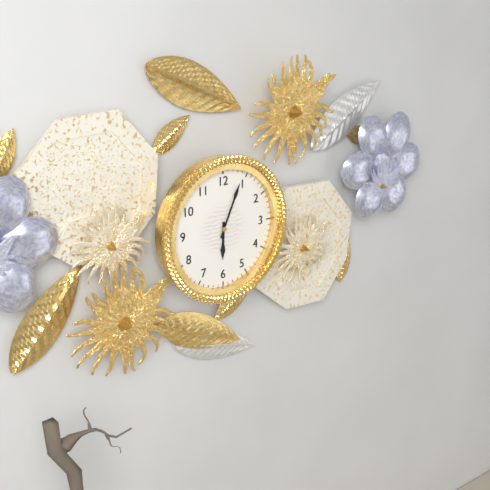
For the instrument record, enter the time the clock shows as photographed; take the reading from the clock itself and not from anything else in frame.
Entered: 6:04
